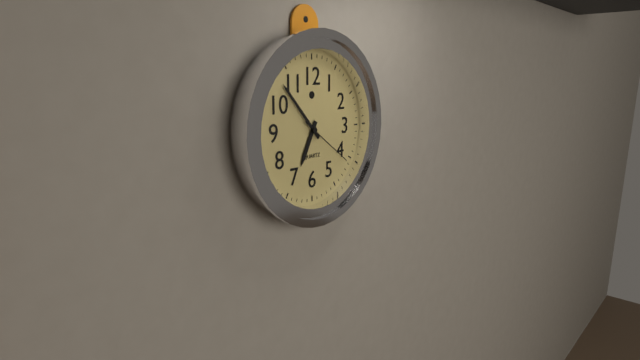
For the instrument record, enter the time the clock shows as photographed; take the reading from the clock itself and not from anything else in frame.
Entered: 6:53:21
